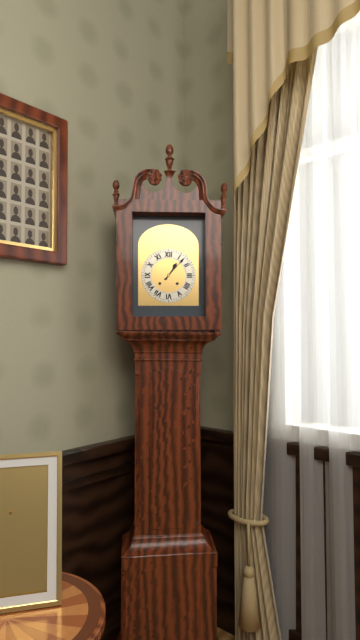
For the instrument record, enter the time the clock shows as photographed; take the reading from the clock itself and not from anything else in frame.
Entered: 1:07
